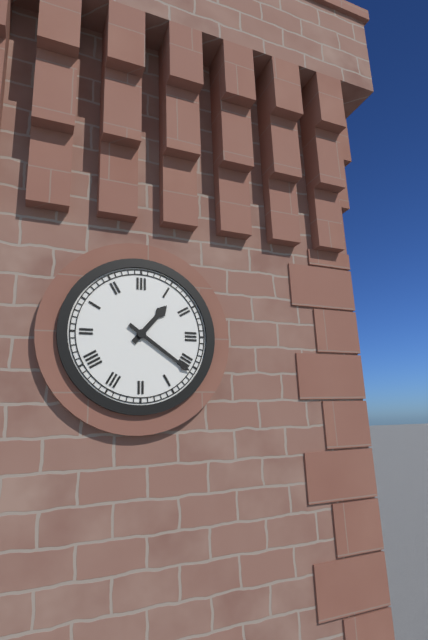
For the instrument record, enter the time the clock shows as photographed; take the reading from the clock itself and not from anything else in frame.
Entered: 1:21
